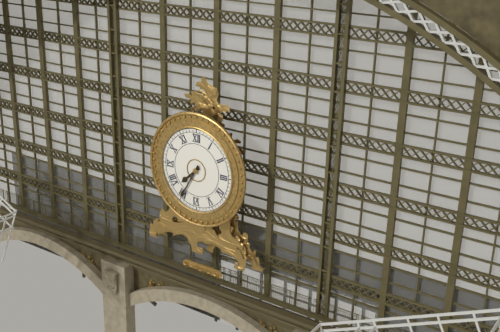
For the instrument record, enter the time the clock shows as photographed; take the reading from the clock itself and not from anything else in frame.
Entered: 7:35
